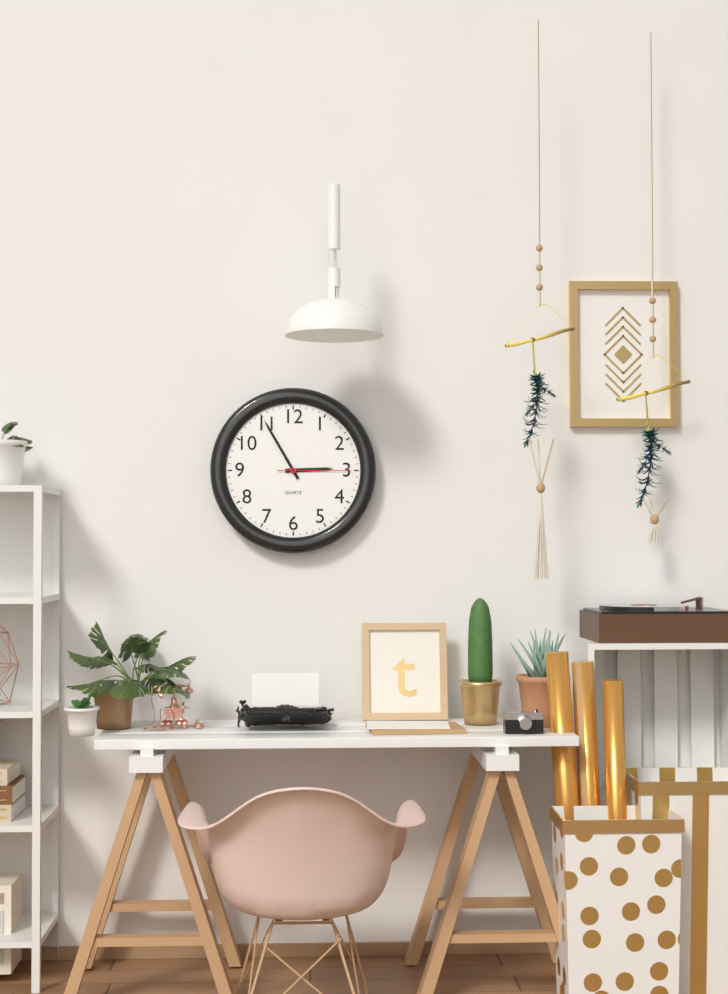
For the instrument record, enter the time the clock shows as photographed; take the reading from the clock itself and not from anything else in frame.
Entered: 2:55:15
